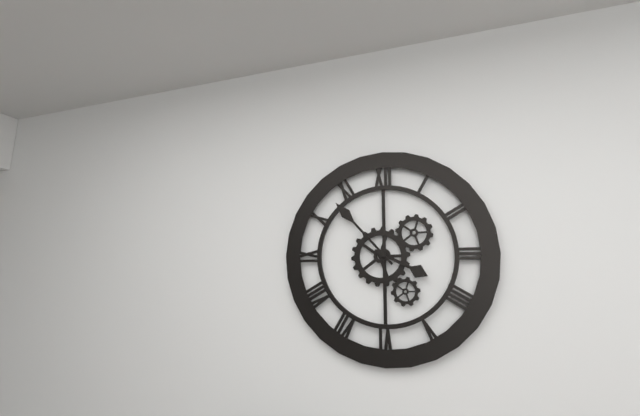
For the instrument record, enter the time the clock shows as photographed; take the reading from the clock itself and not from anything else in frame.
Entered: 3:53
